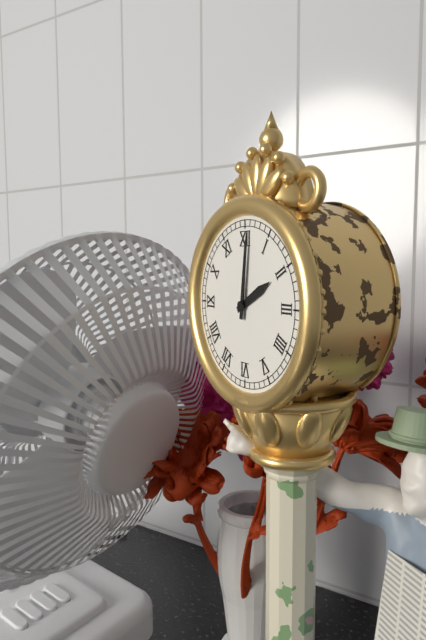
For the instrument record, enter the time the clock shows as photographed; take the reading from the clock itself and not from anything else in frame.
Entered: 2:01
